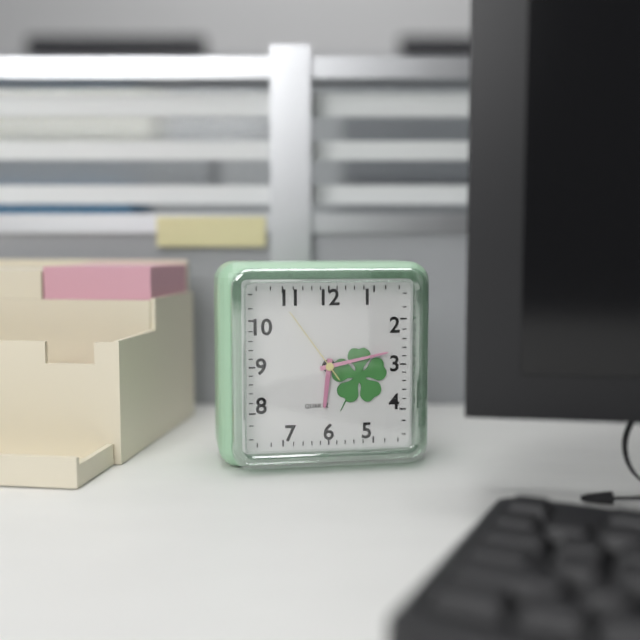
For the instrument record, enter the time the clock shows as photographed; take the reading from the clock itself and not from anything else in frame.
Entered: 6:13:54
